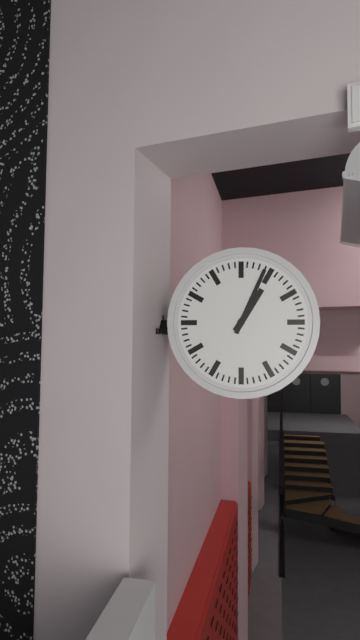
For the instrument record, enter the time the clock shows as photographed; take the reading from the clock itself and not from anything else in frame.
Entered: 1:04
